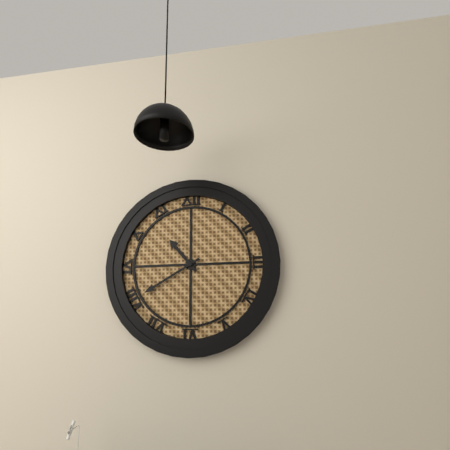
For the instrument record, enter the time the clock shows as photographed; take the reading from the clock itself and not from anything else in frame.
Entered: 10:40
